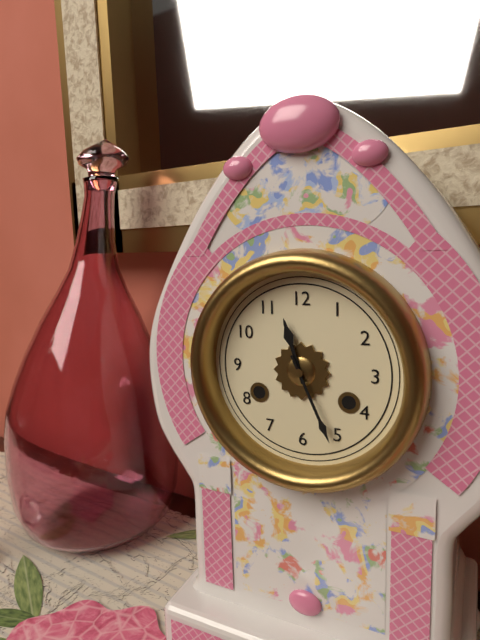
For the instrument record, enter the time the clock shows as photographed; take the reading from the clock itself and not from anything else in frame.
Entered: 11:26
